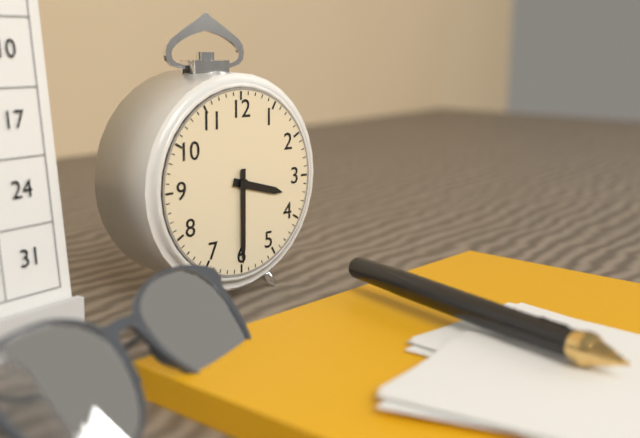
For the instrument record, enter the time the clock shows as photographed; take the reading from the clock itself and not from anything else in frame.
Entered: 3:30
